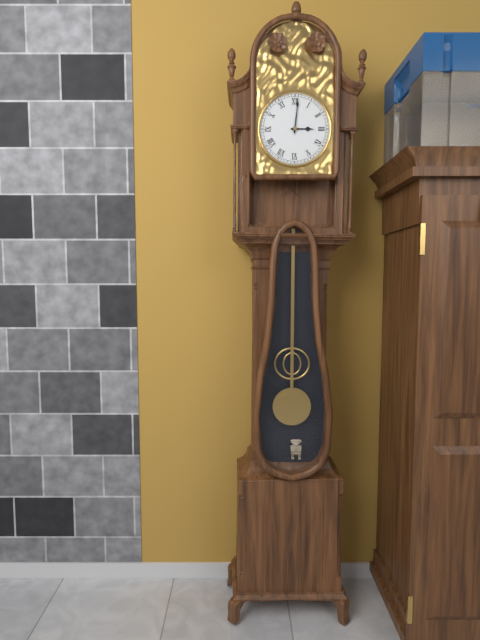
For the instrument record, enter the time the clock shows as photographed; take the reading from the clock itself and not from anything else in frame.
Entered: 3:01
